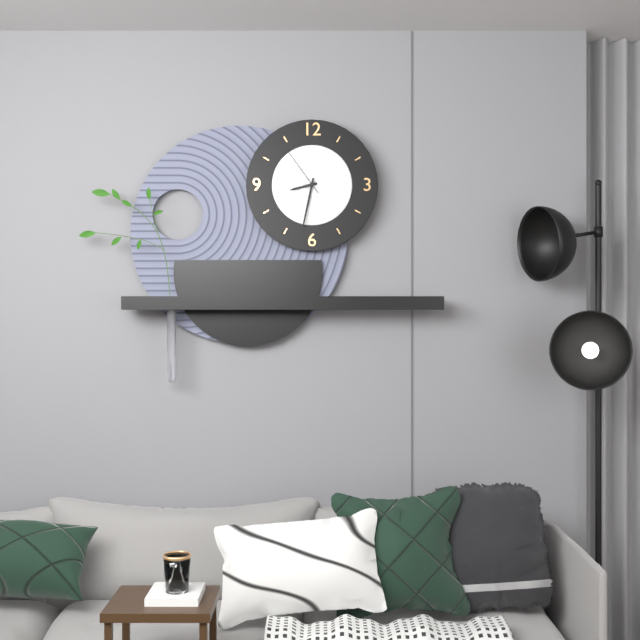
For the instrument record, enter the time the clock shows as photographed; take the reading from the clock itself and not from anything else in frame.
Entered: 8:32:54
